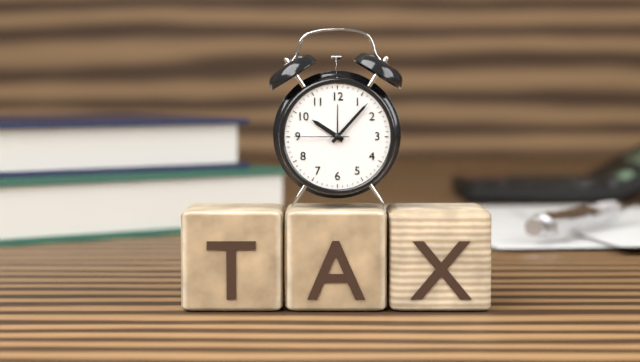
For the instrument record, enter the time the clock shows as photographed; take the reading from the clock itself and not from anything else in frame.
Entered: 10:07:45
